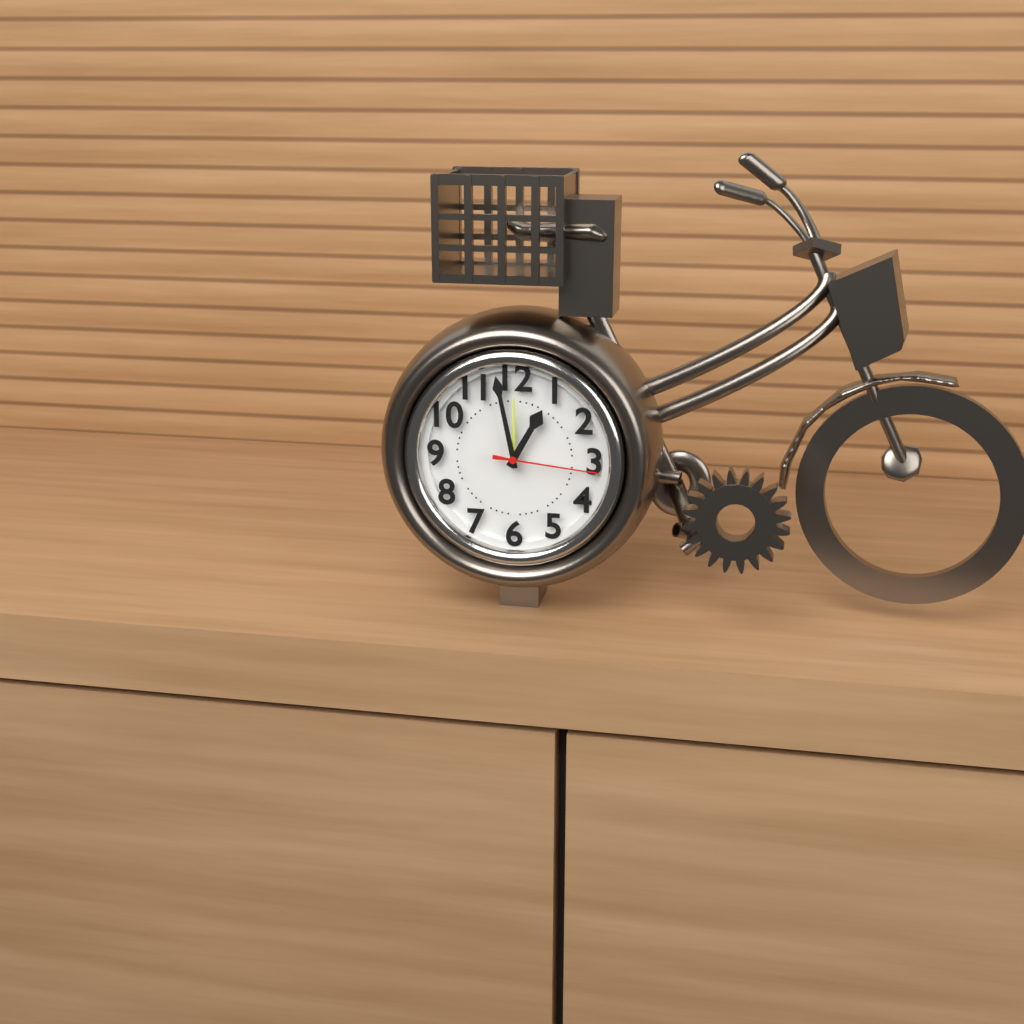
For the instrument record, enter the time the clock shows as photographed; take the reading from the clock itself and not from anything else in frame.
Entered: 12:58:16
